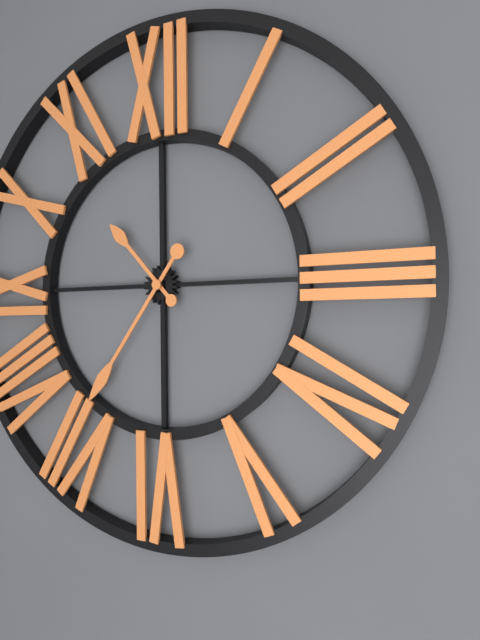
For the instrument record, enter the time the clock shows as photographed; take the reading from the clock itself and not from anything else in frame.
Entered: 10:36
